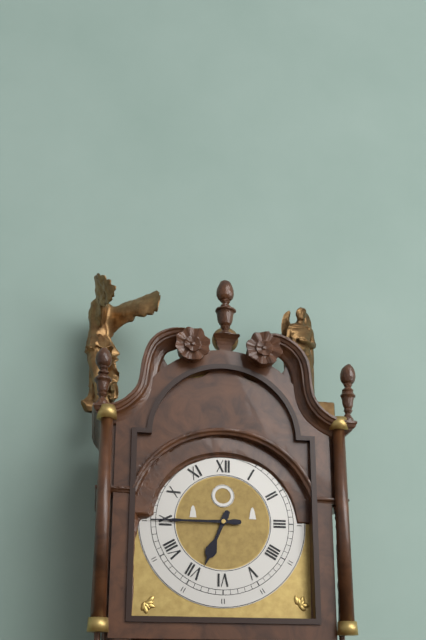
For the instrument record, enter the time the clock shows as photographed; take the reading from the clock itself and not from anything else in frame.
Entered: 6:45
